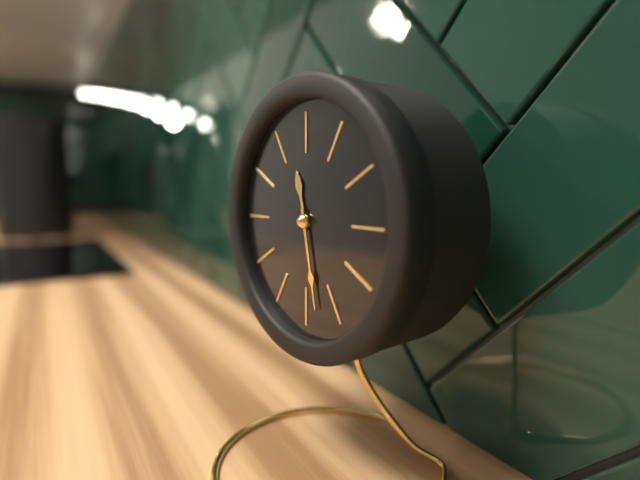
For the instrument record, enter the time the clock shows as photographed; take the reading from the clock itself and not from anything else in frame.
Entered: 11:28
